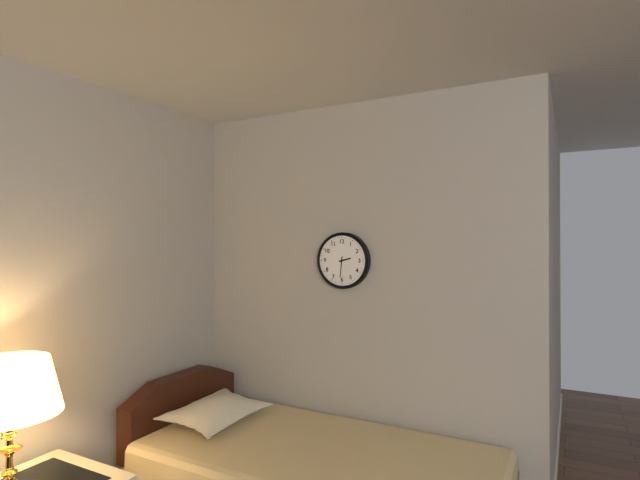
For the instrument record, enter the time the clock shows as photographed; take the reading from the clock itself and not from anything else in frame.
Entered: 2:31
